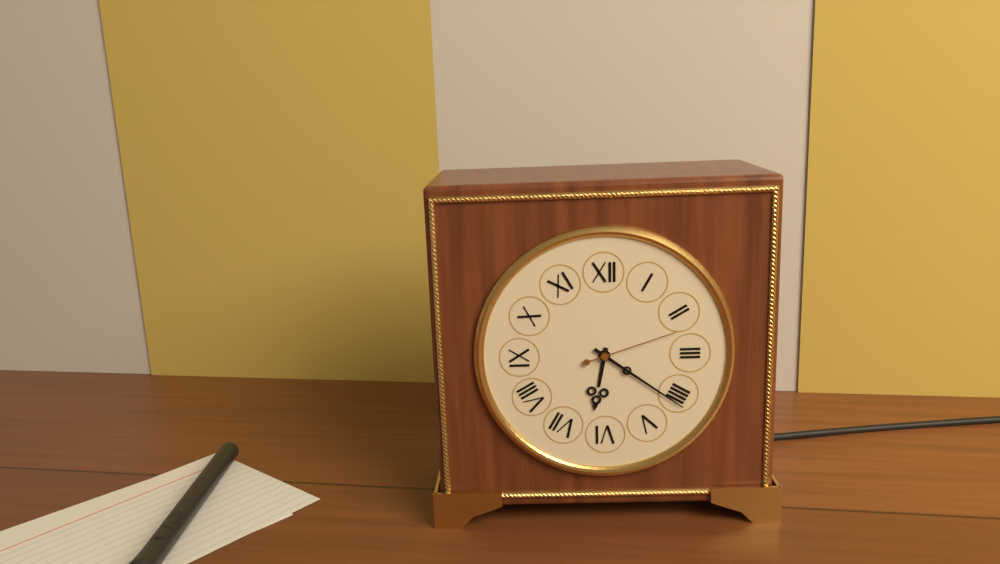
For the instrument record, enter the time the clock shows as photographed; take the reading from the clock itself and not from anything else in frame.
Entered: 6:21:12
